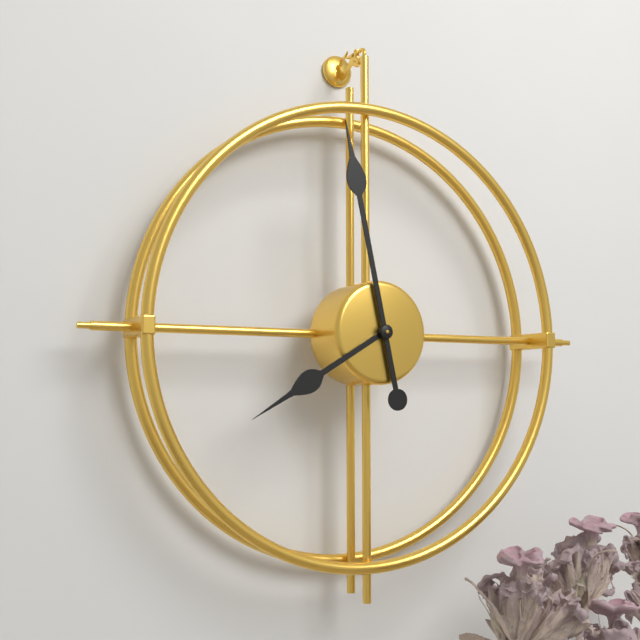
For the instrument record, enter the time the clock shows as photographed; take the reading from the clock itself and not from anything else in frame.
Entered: 7:58
